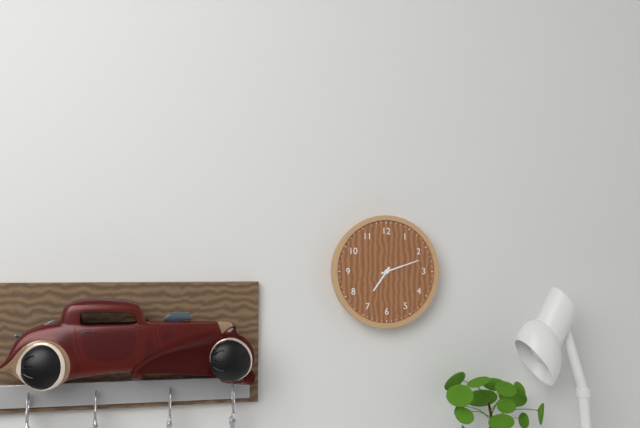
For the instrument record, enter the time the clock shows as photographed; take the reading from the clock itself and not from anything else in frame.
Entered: 7:12
